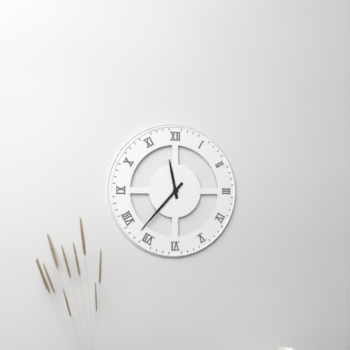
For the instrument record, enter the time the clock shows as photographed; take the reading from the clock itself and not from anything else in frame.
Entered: 11:37
